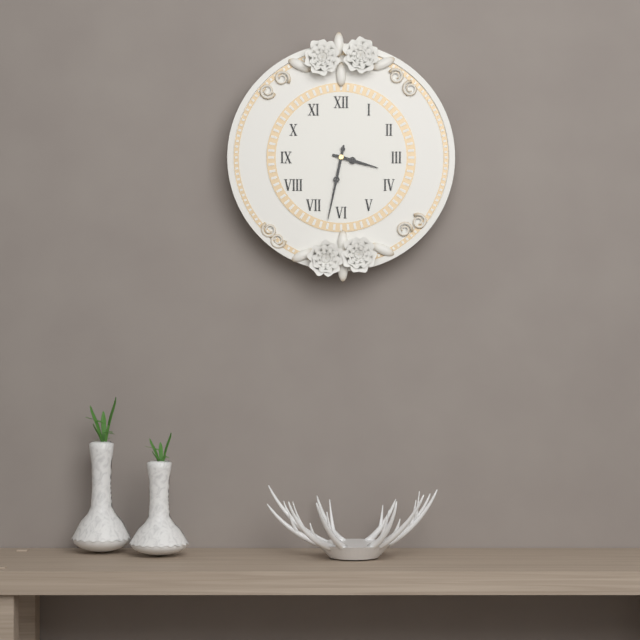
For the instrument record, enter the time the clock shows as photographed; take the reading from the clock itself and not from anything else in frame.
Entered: 3:32
